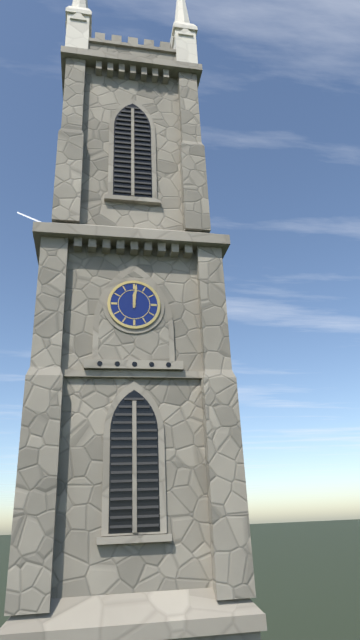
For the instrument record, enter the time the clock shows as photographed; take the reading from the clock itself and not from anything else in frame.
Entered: 12:01
